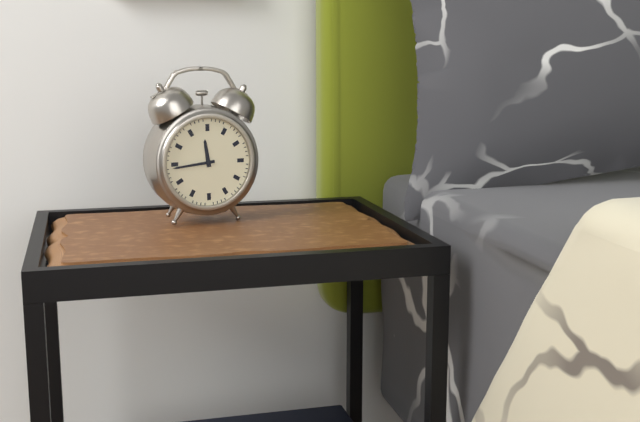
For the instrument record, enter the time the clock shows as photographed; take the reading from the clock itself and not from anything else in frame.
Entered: 11:44
